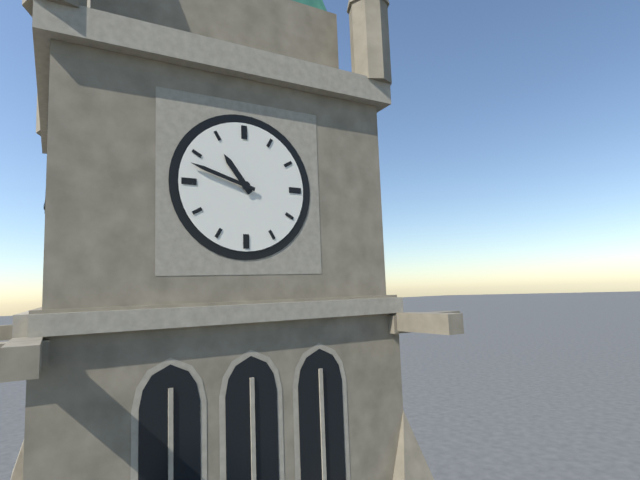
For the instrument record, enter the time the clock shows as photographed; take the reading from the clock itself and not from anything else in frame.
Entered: 10:48
